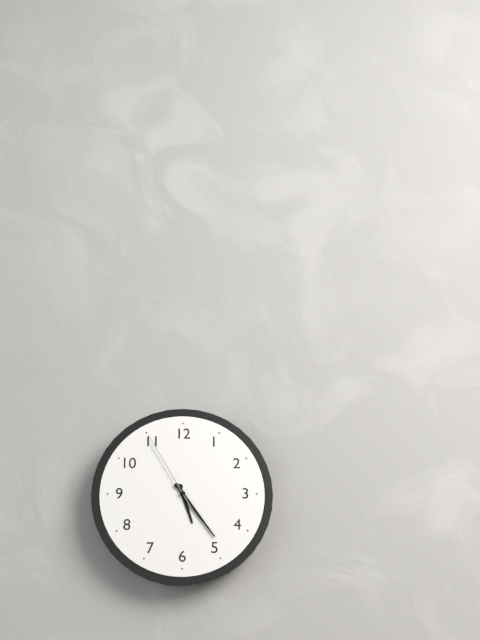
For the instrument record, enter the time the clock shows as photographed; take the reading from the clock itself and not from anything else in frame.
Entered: 5:24:55
